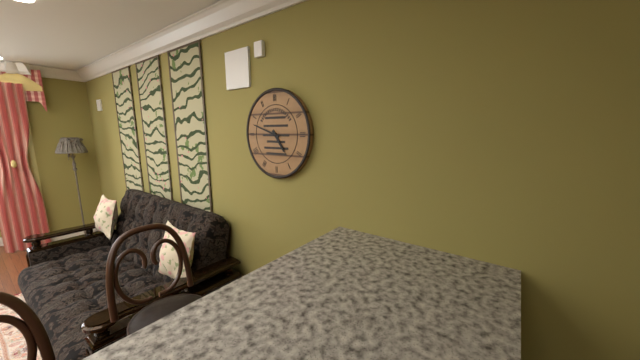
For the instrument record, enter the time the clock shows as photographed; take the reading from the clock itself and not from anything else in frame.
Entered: 4:48
